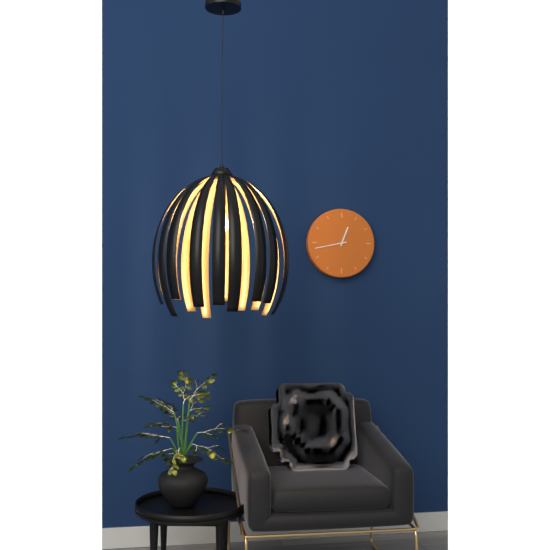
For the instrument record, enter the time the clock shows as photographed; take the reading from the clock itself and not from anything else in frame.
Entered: 12:43
